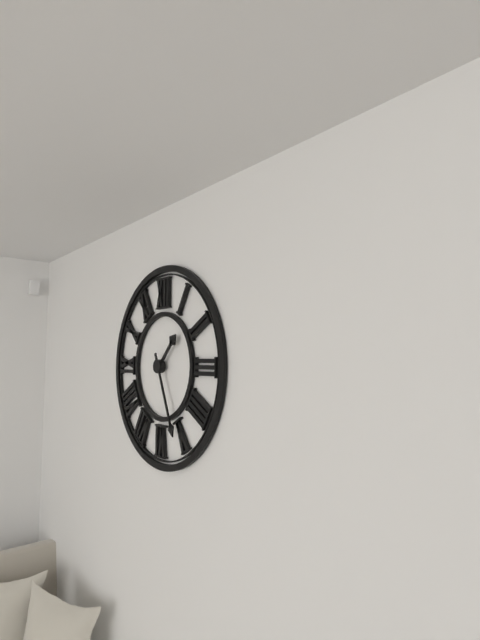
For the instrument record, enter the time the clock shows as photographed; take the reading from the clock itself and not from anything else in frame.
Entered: 1:26
